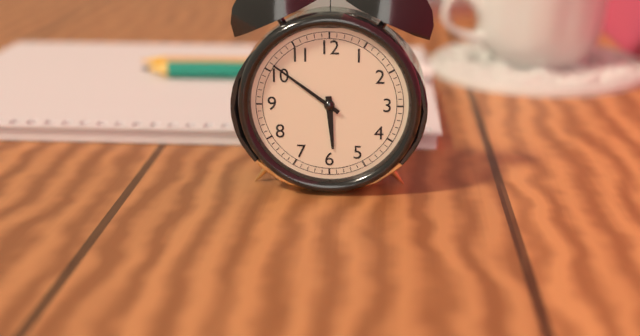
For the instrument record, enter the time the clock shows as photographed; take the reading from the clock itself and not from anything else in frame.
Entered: 5:51
